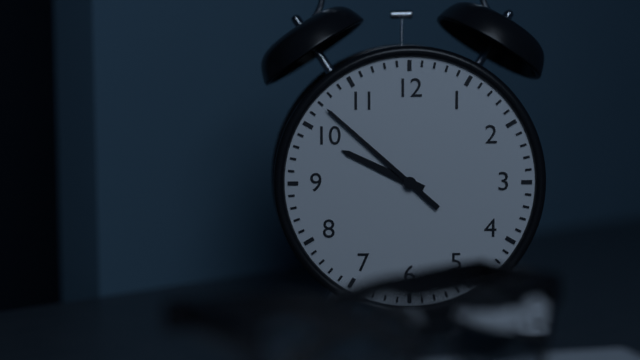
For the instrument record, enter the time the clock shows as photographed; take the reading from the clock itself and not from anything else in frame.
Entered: 9:52
